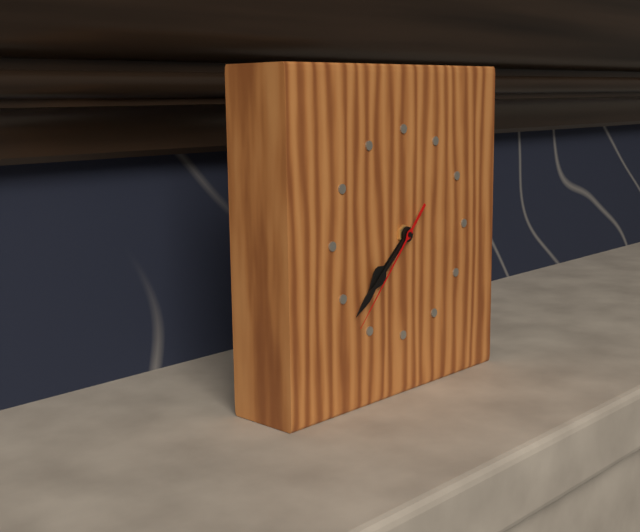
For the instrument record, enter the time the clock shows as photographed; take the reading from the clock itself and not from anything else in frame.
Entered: 7:38:37
